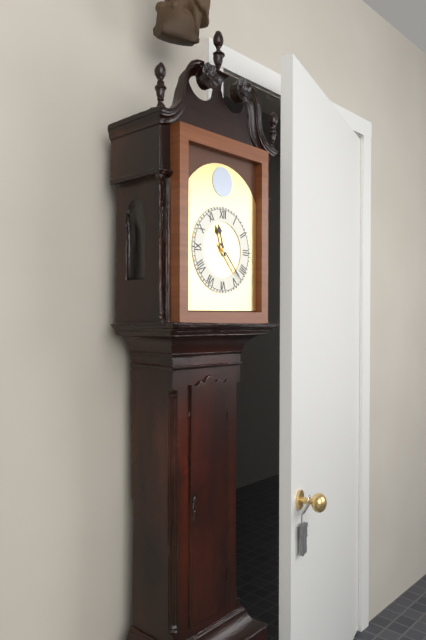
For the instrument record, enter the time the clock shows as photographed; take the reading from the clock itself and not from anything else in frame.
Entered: 11:23
